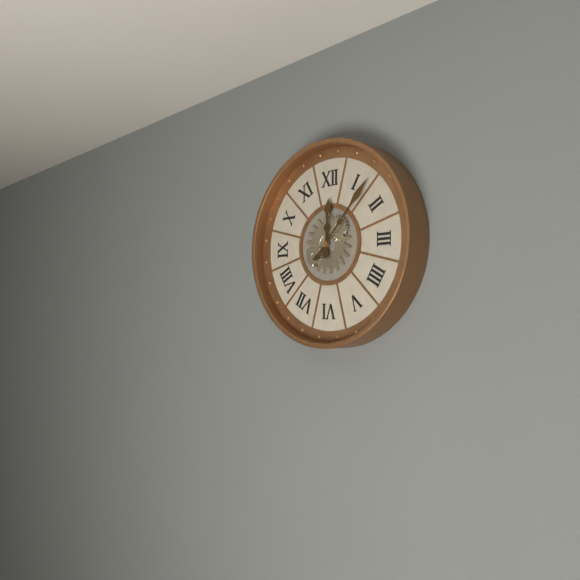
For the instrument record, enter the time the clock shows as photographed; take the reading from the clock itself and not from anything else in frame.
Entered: 12:07
